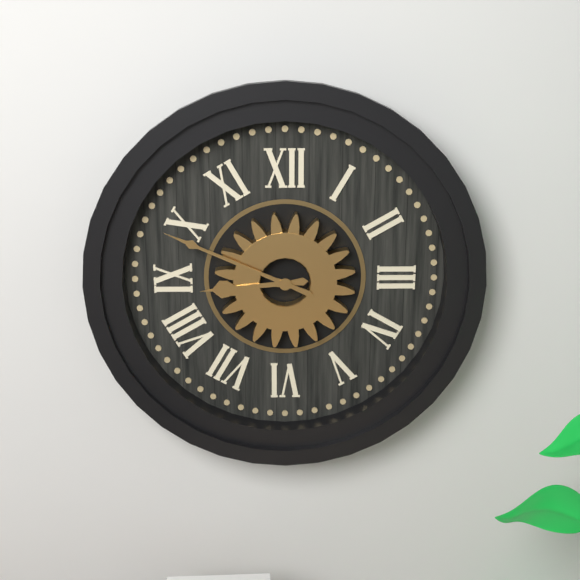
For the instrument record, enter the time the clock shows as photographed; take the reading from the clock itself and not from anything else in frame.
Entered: 8:49
